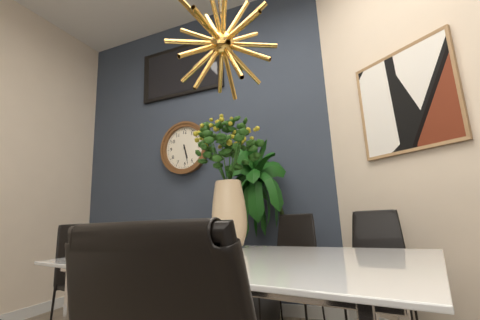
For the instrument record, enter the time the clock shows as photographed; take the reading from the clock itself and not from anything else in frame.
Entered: 5:28
